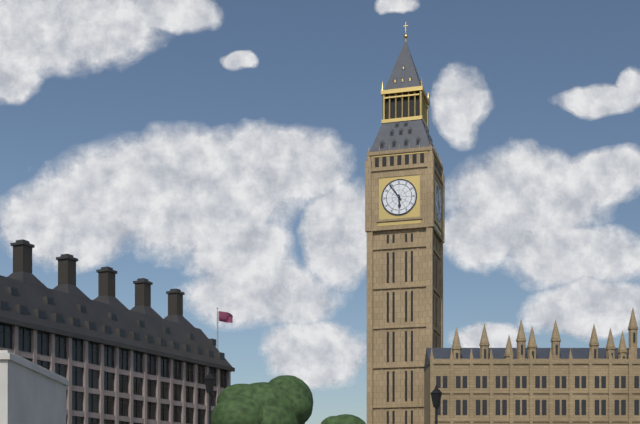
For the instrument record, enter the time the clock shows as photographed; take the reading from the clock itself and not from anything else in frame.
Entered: 5:54
